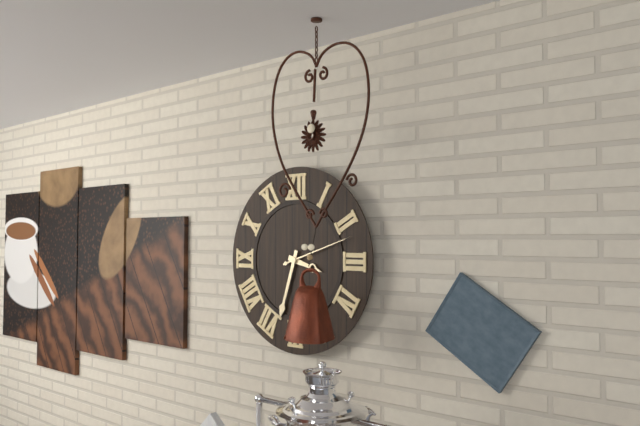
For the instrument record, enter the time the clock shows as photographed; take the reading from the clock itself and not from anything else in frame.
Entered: 3:33:12
